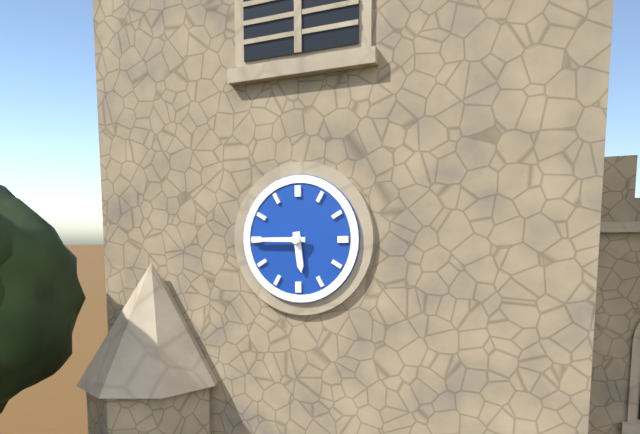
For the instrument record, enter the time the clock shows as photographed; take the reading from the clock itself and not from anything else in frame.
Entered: 5:45
